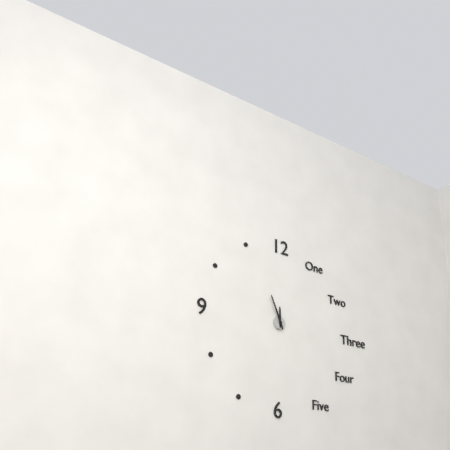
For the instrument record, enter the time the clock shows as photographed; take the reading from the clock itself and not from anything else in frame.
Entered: 11:56
